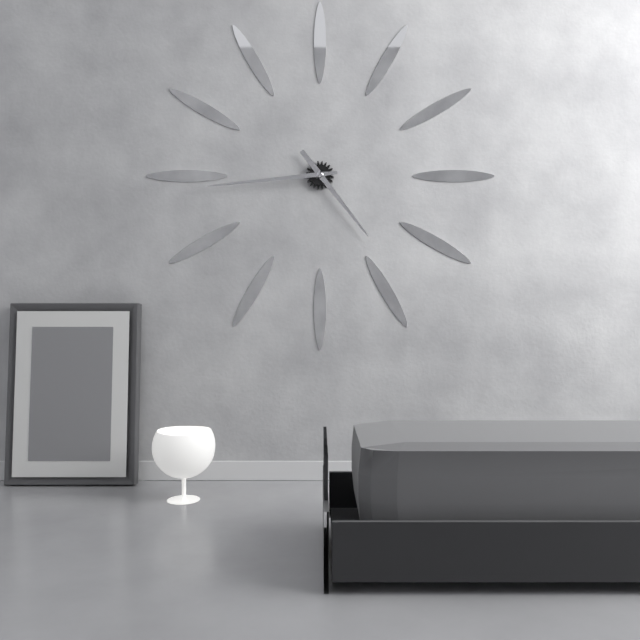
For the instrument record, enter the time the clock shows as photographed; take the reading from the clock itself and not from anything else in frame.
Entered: 4:44
